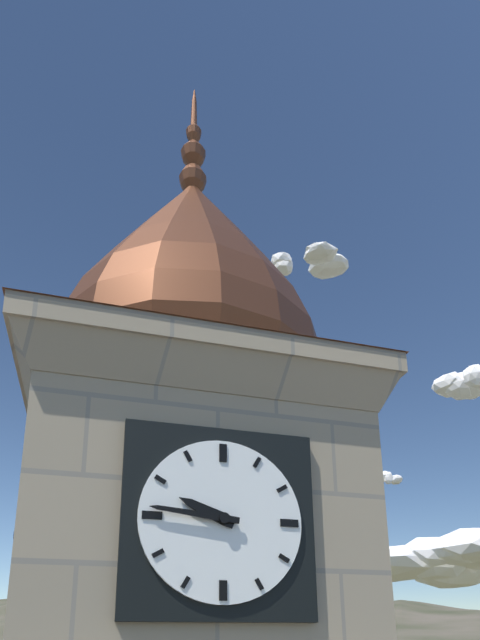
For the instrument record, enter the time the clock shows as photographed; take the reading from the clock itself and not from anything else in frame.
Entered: 9:46
